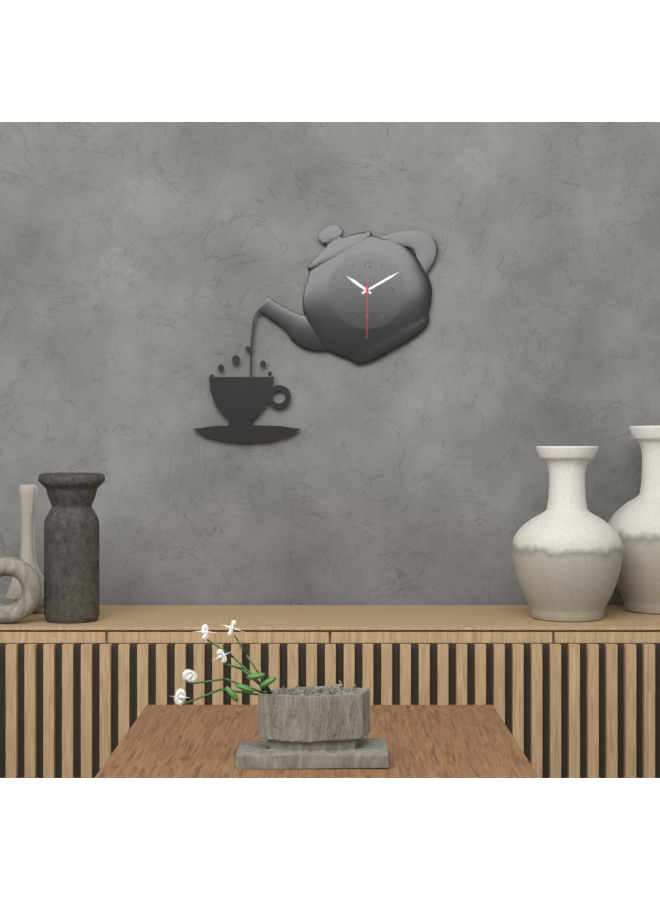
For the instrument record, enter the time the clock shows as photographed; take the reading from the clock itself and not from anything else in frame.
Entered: 10:10:30
